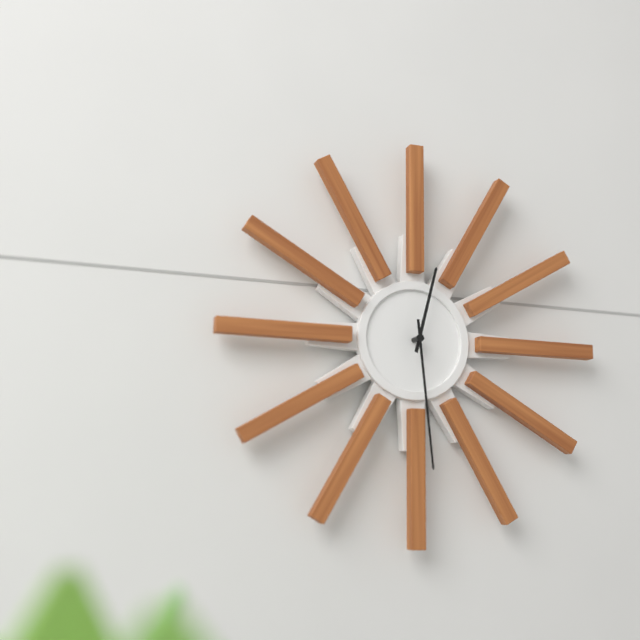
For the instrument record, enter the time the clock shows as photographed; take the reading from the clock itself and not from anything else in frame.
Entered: 12:29
